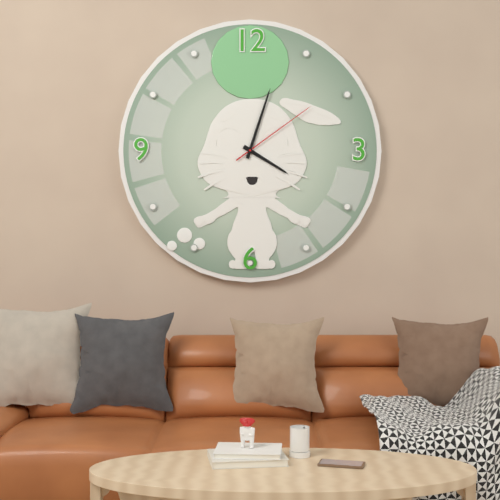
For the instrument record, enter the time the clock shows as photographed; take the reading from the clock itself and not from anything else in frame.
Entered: 4:03:09
